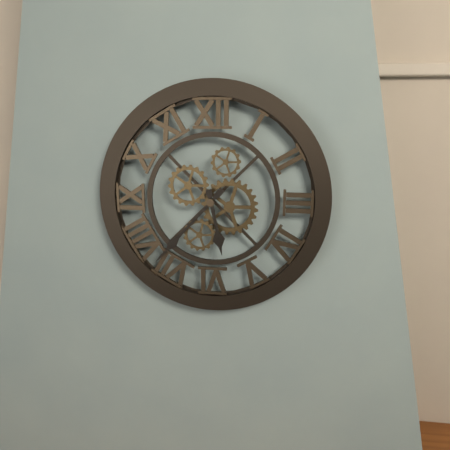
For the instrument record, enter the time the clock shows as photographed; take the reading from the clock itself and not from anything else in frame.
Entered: 5:37
